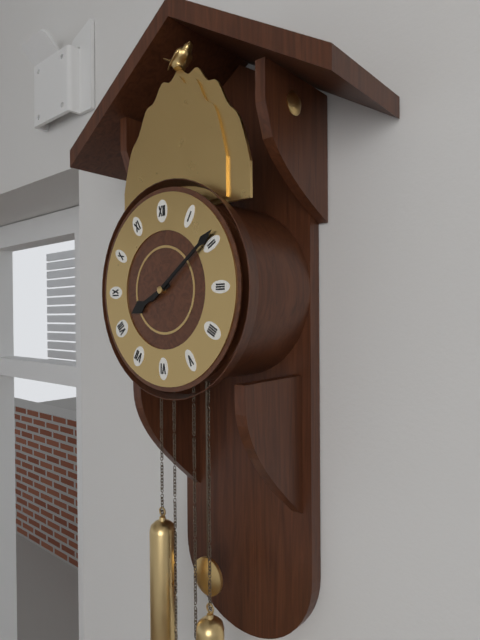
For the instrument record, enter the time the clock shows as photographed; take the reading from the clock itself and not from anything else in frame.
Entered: 8:09
